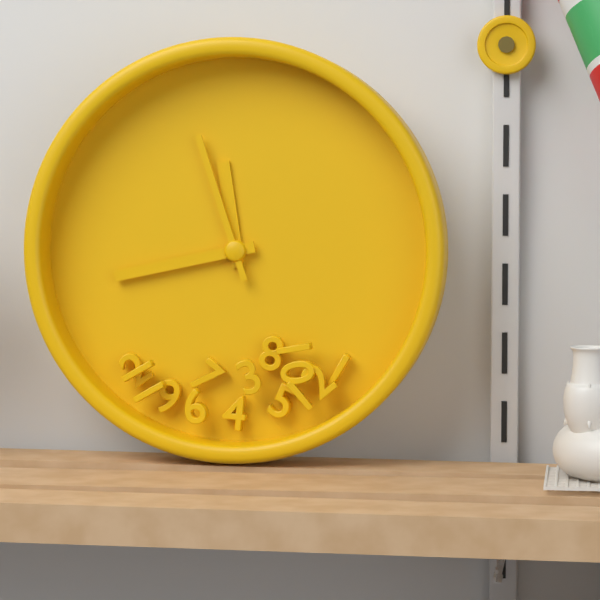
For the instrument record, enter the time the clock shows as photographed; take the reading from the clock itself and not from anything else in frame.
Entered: 11:43:57
